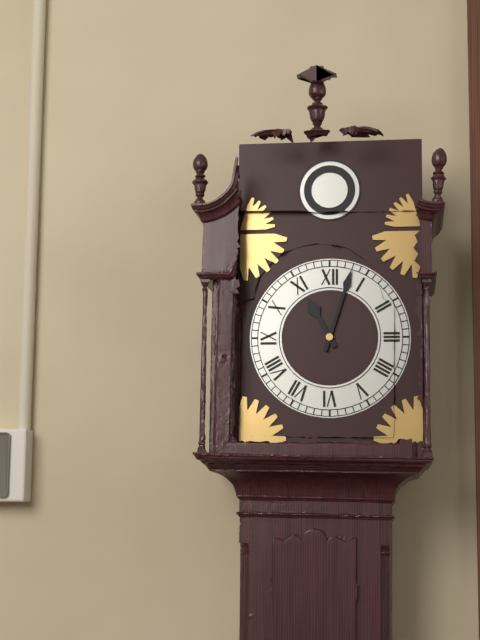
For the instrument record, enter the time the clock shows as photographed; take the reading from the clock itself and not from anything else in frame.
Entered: 11:03
